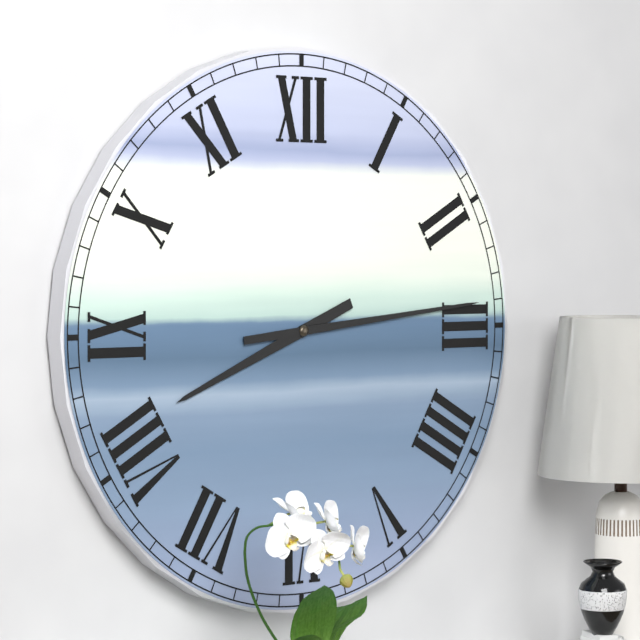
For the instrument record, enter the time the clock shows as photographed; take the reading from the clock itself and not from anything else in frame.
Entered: 8:14
